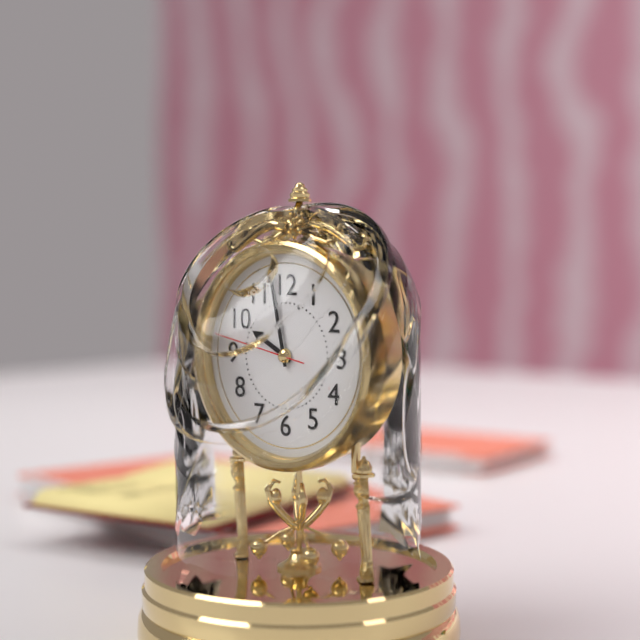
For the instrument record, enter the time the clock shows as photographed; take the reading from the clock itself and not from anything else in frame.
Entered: 9:58:47
